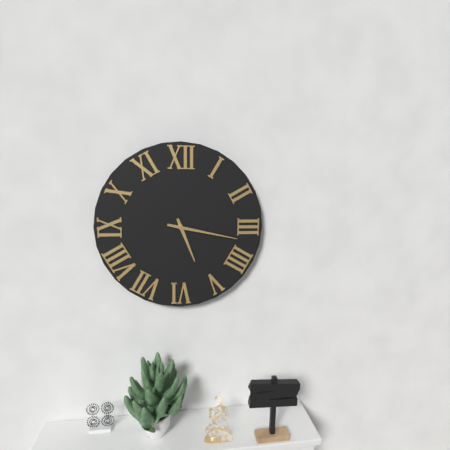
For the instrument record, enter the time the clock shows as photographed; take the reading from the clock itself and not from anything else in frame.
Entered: 5:17
